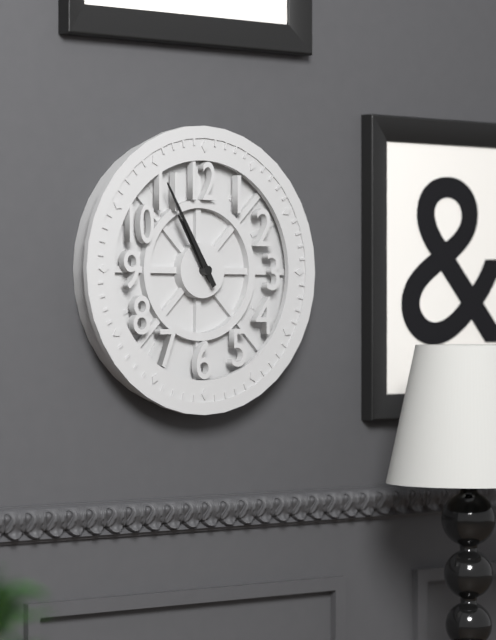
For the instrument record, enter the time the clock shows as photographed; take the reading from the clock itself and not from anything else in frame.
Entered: 10:55
